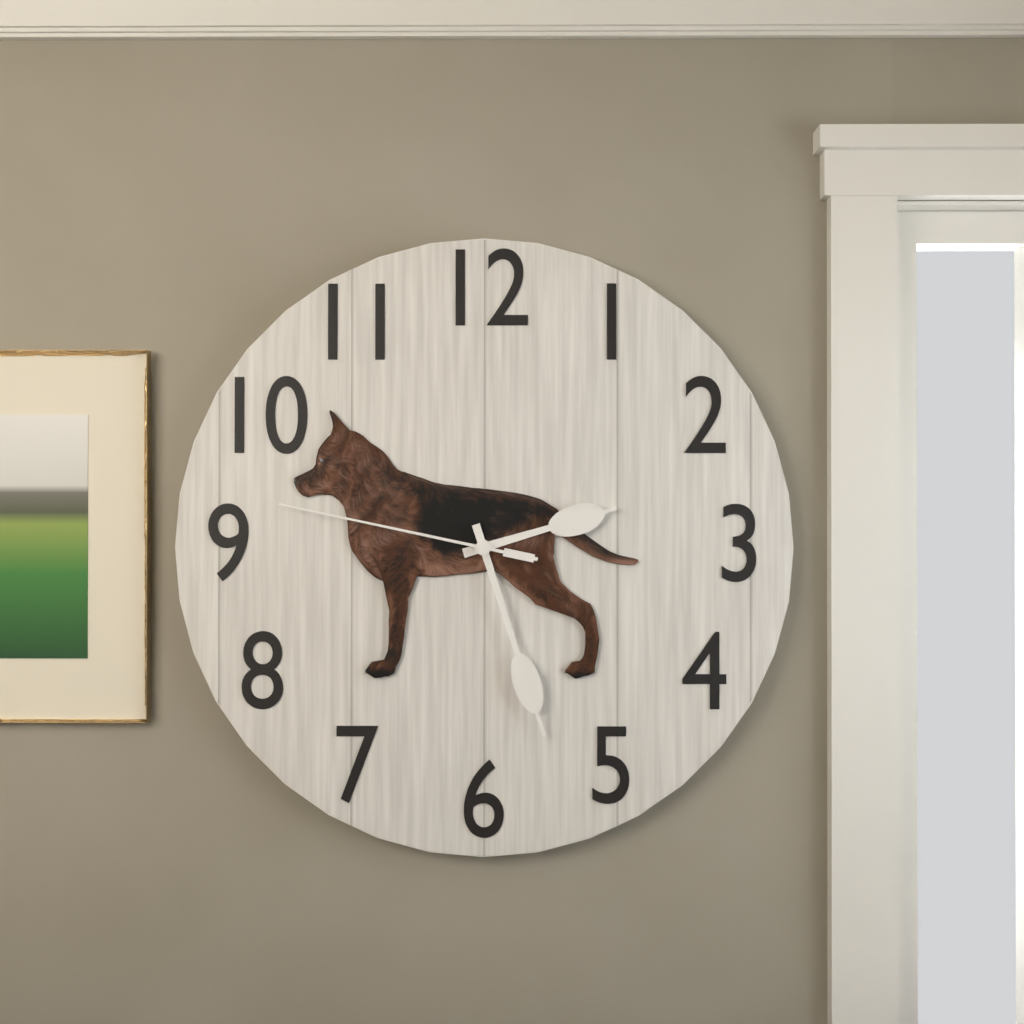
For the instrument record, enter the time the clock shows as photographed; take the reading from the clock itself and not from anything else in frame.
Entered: 2:27:47
